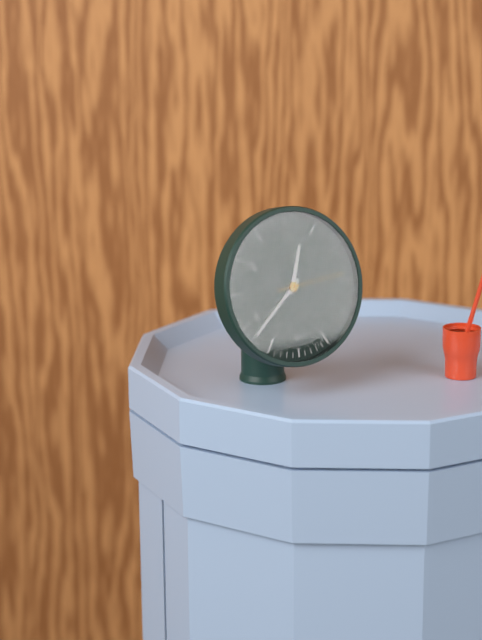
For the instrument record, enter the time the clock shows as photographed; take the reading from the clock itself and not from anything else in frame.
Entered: 12:38:14
